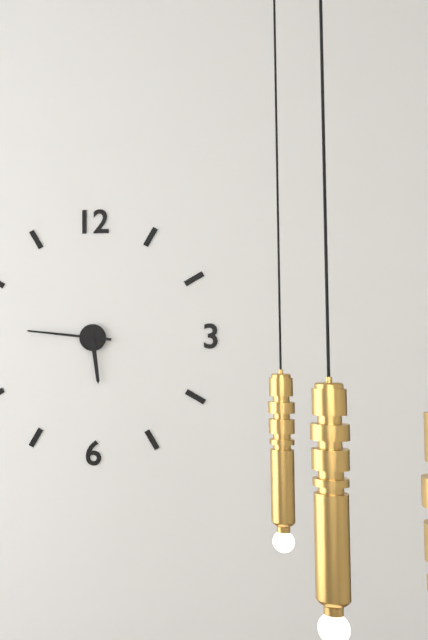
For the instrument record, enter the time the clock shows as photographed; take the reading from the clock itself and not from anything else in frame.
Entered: 5:46
